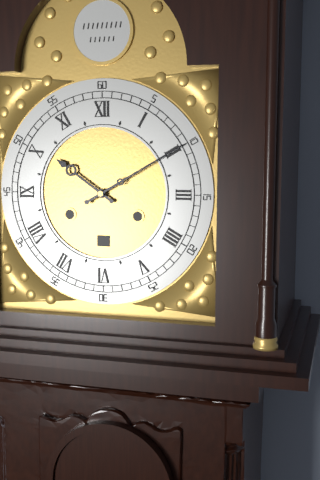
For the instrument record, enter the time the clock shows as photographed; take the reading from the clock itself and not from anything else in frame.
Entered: 10:10
